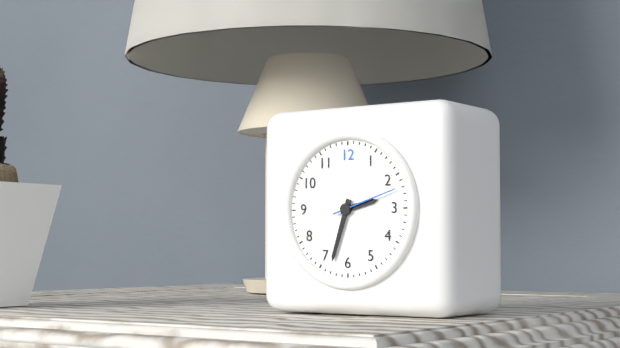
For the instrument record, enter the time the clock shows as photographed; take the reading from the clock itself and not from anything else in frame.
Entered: 2:33:12
